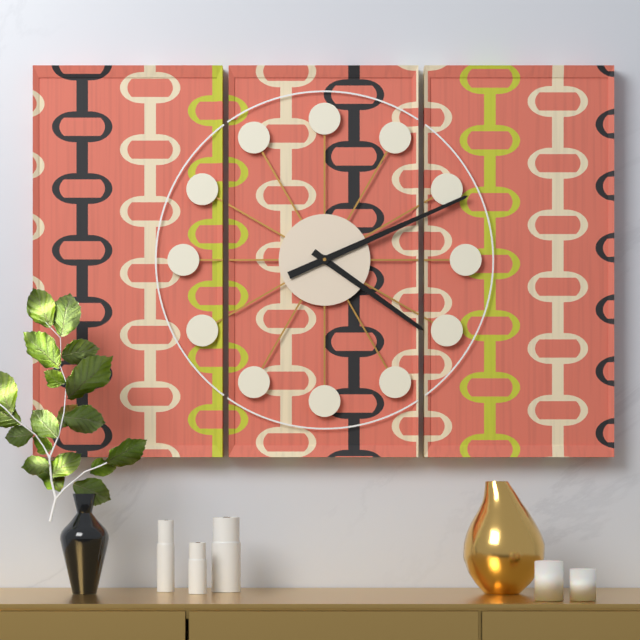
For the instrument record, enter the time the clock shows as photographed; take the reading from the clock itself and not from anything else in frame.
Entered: 4:11
